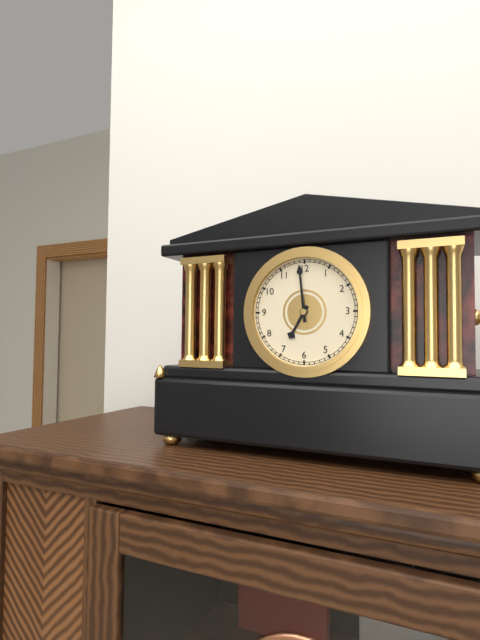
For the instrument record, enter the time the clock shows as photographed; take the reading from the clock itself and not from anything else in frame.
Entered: 6:59
